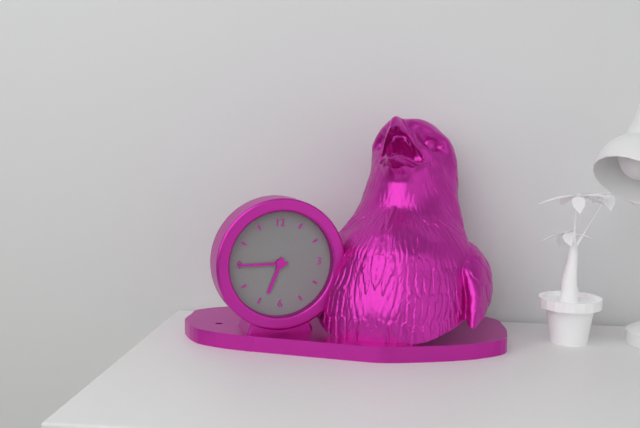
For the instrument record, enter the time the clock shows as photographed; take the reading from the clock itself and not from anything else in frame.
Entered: 6:45
